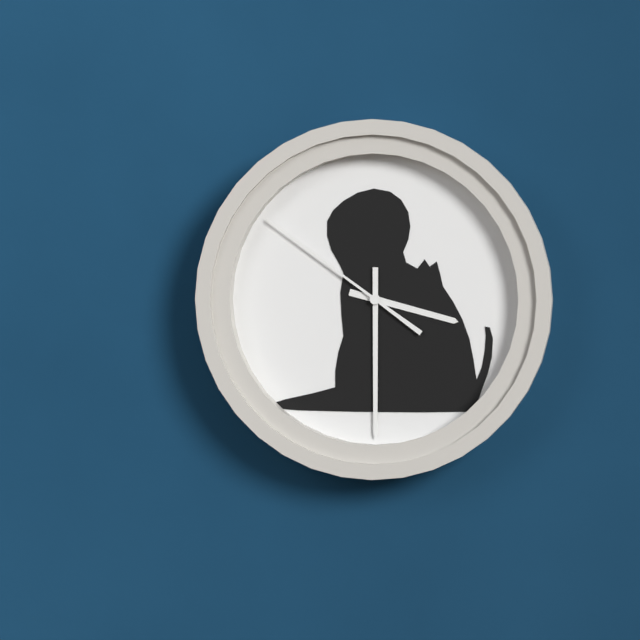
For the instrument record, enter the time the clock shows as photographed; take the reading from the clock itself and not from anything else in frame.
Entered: 3:30:51
